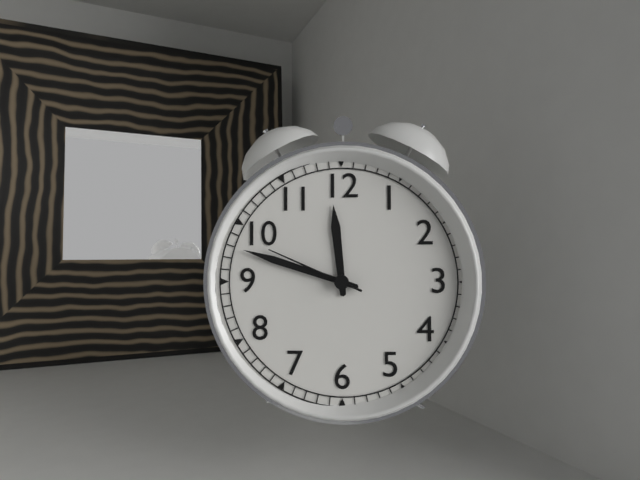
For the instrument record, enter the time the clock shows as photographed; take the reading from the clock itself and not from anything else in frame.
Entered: 11:48:49
